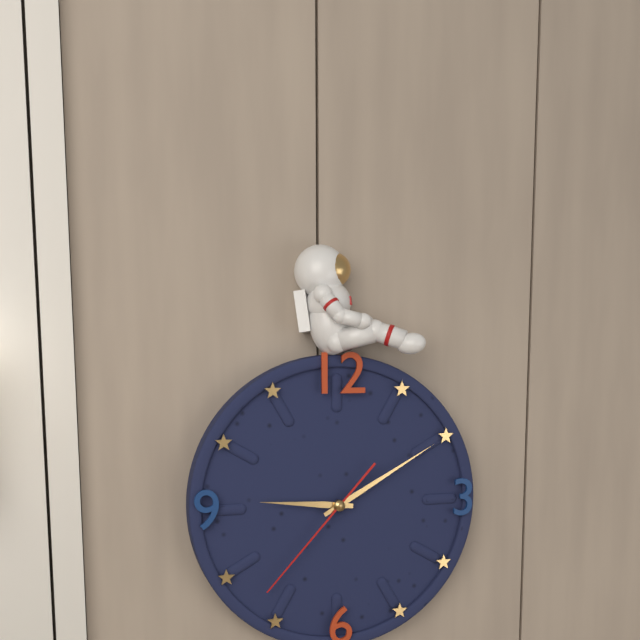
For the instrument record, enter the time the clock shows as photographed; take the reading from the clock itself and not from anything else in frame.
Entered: 9:10:37
